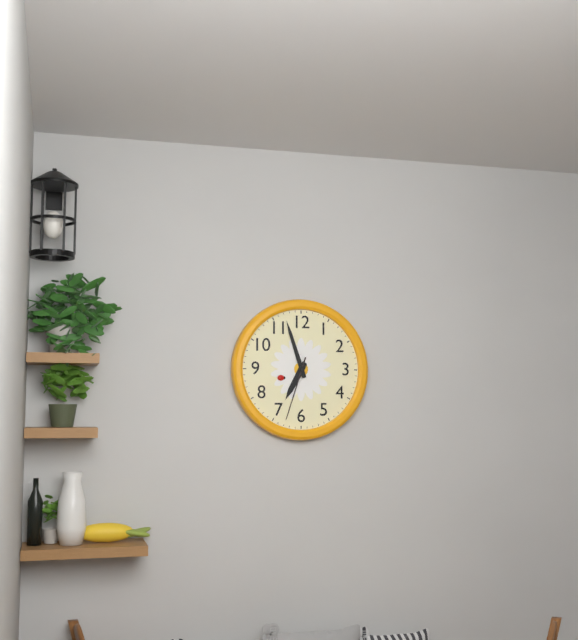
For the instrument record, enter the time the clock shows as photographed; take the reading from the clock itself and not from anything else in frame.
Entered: 6:57:33
